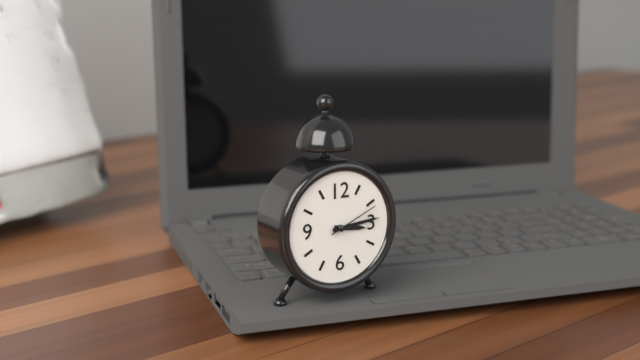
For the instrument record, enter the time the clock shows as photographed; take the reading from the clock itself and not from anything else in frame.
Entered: 3:14:11
